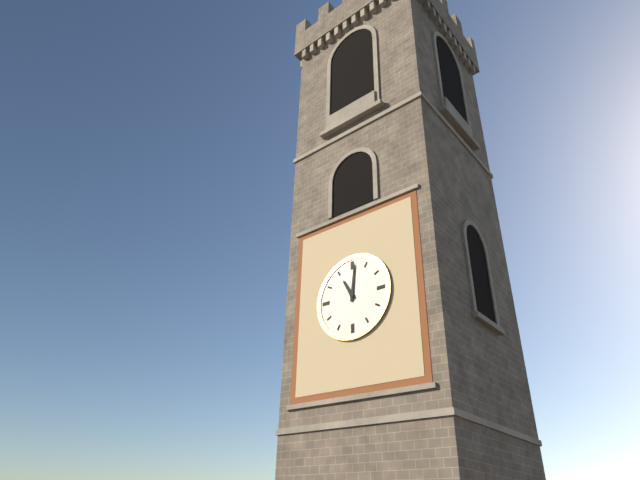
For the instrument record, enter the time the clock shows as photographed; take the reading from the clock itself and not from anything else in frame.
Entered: 11:01
